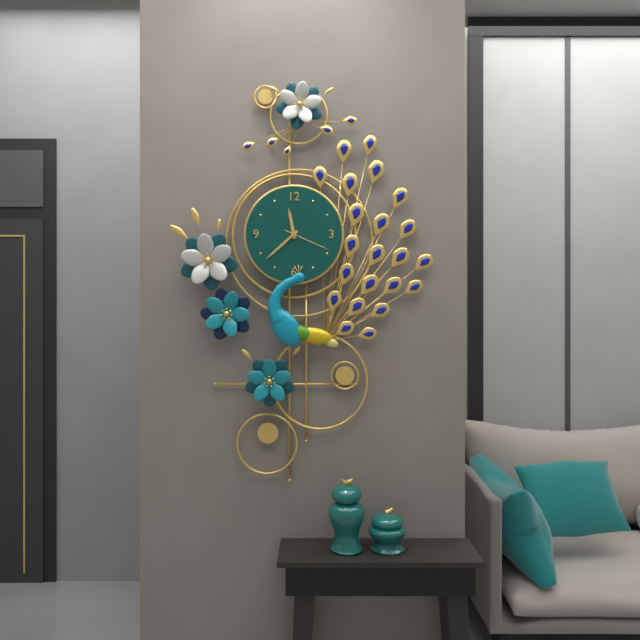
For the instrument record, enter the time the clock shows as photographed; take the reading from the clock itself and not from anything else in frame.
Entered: 11:38:19
